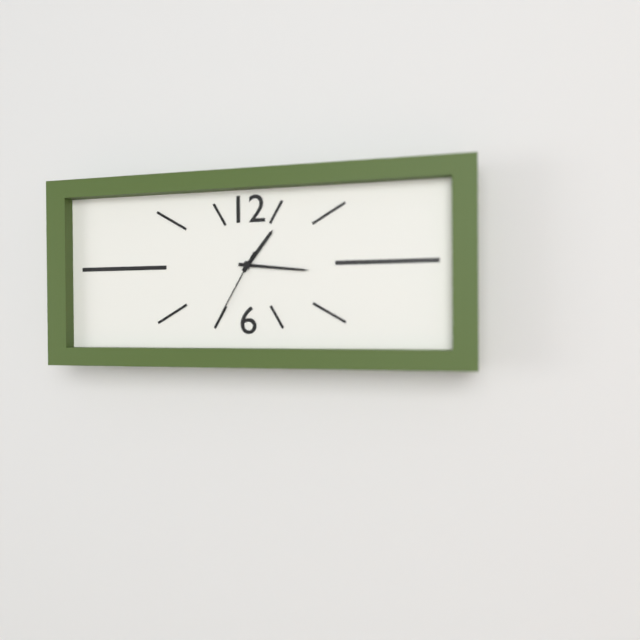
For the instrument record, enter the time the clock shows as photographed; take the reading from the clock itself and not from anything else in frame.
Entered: 1:16:35
